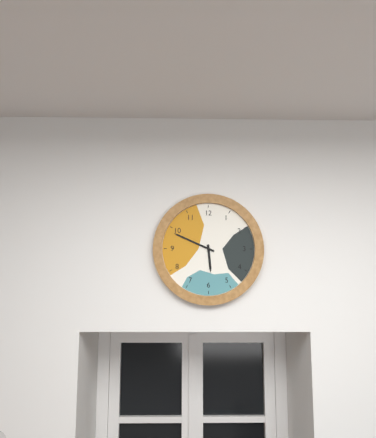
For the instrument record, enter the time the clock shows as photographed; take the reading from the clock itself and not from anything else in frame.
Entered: 5:49
